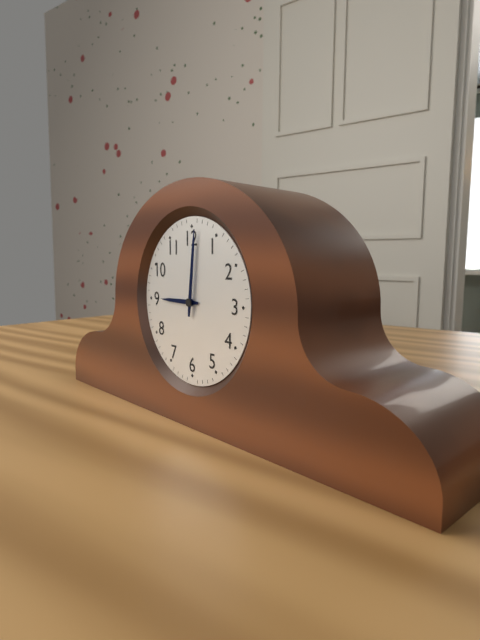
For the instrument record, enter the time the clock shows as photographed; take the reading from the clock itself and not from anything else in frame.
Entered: 9:01
